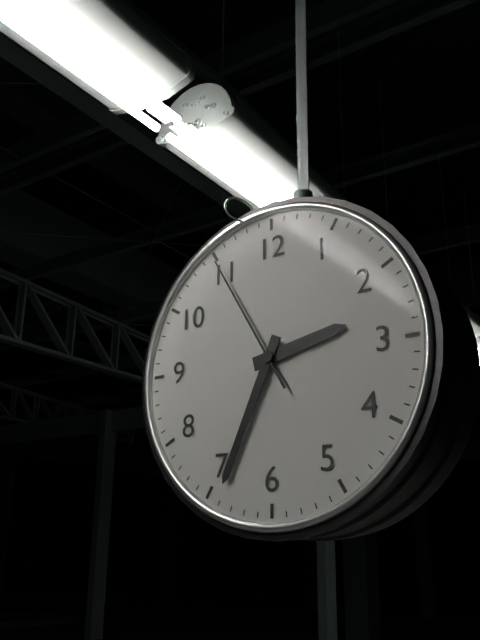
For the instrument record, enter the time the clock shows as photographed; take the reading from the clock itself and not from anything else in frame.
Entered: 2:34:55
